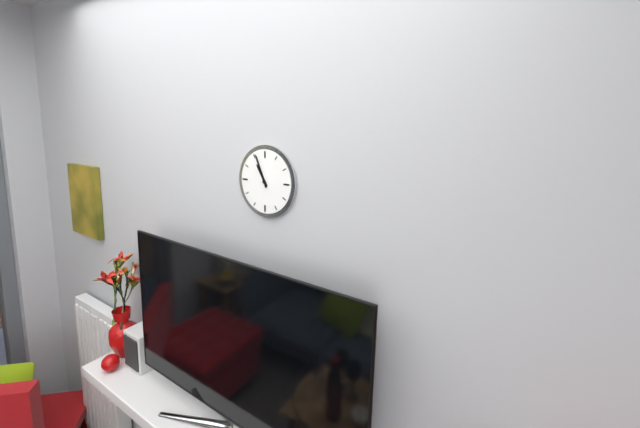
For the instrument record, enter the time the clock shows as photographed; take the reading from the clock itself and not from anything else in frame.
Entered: 10:56
